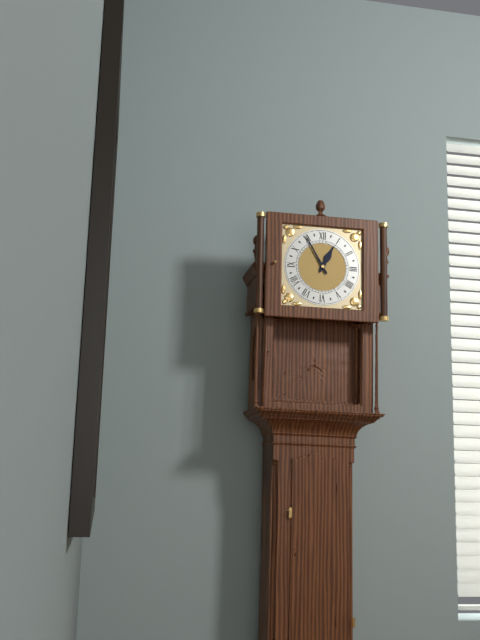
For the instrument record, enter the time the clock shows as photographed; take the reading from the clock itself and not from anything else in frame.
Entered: 12:55
